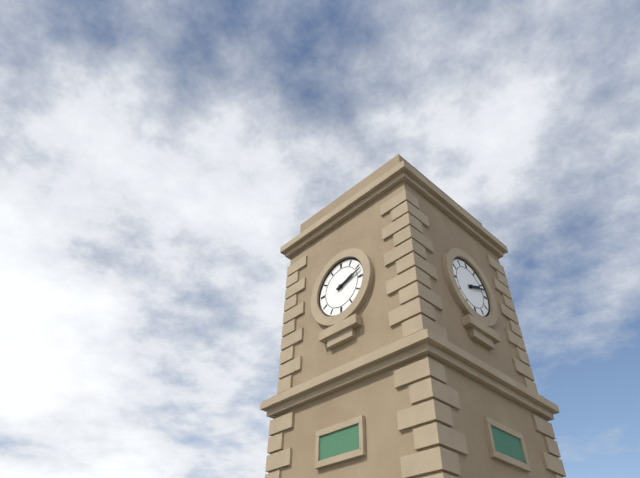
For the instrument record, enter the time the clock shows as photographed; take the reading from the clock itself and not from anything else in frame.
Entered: 2:12
